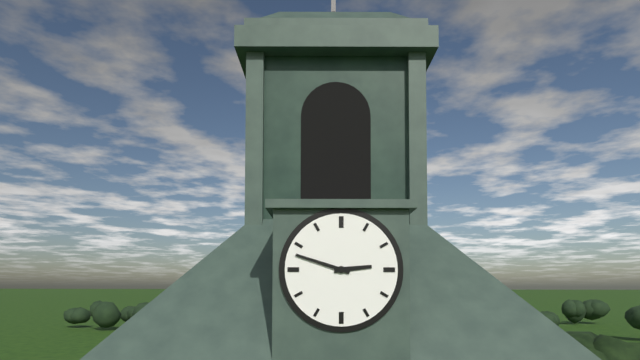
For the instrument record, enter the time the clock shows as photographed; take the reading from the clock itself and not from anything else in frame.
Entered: 2:48
